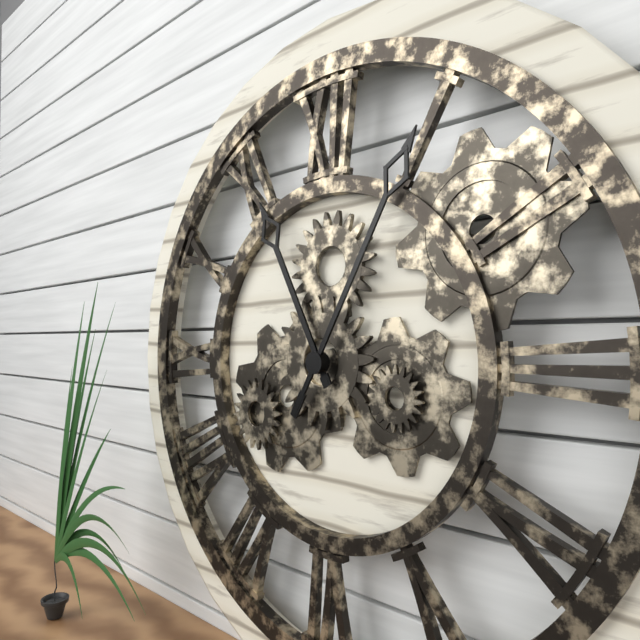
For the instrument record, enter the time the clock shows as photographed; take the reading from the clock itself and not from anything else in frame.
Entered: 11:05
